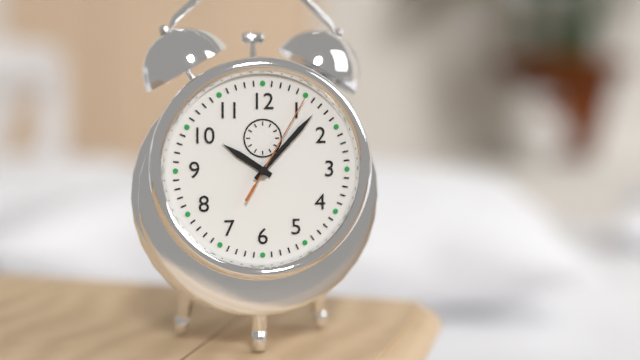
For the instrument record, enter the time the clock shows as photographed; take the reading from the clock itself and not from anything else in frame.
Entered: 10:07:05
